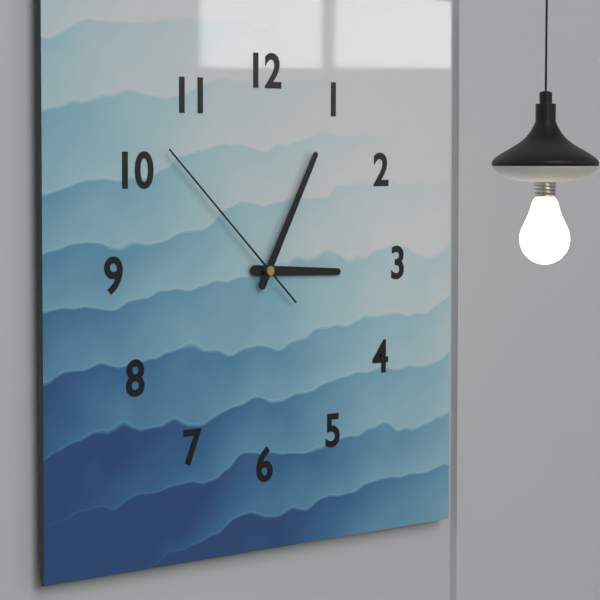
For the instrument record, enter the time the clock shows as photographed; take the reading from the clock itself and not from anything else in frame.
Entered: 3:05:52
